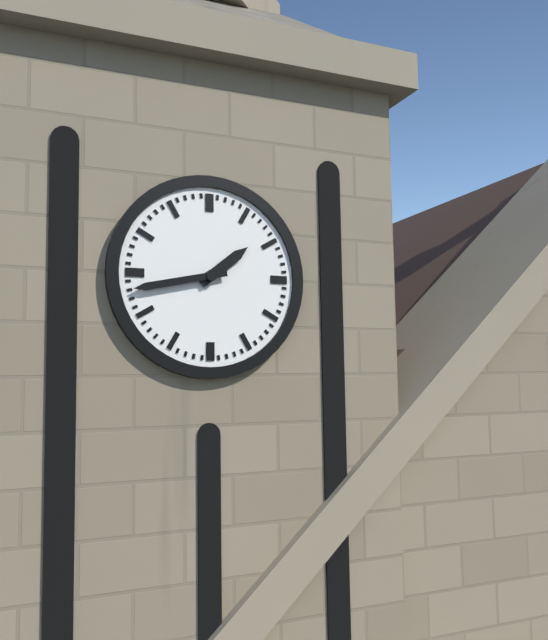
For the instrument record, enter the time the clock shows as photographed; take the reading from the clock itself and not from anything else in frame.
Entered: 1:43
